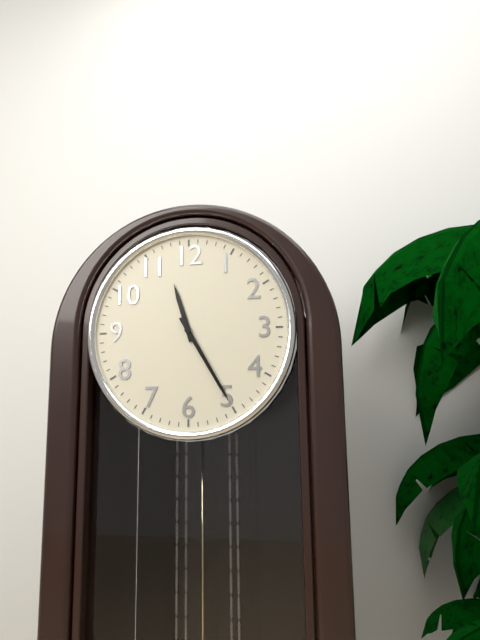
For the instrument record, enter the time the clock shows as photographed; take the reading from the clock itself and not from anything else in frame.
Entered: 11:25
